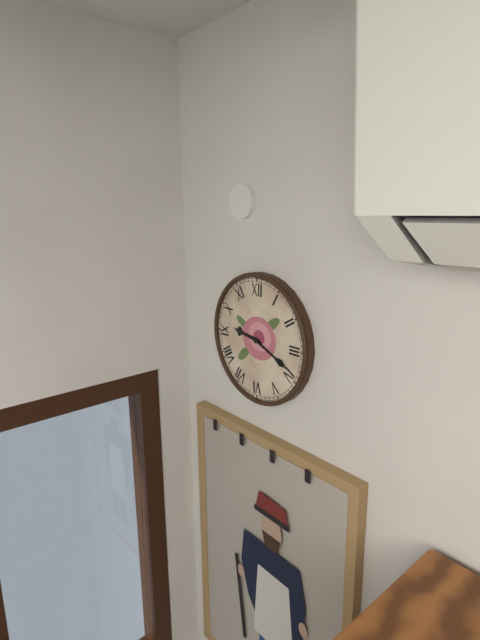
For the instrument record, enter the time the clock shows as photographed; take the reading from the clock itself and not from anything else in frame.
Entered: 9:19
